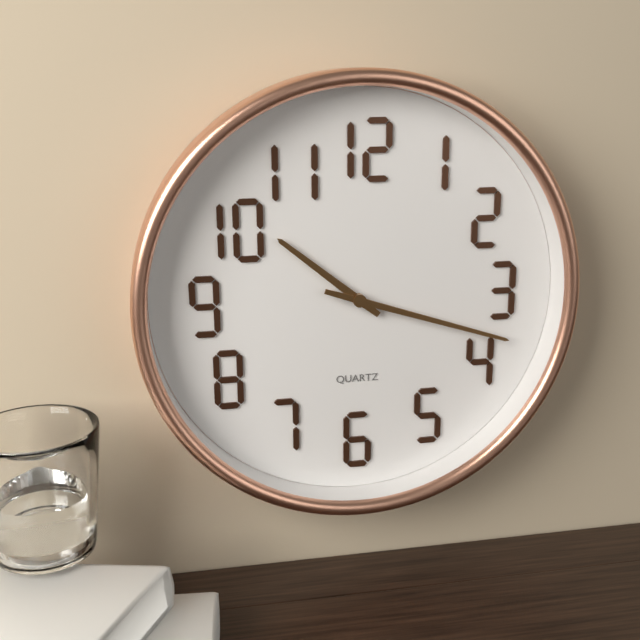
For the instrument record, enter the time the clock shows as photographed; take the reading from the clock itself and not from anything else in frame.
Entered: 10:18
